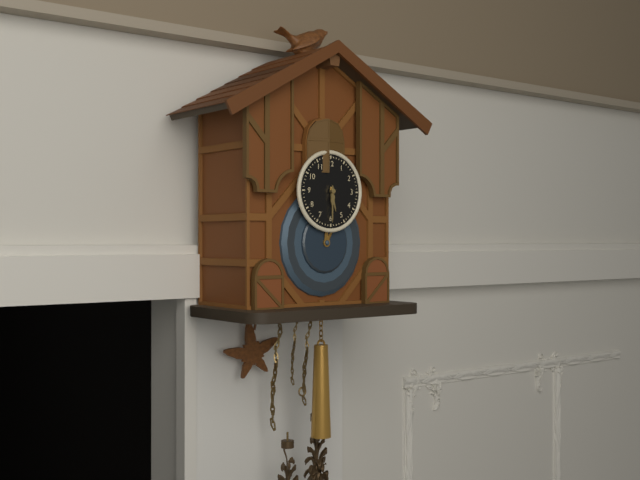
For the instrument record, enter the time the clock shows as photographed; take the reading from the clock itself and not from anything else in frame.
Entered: 5:30
